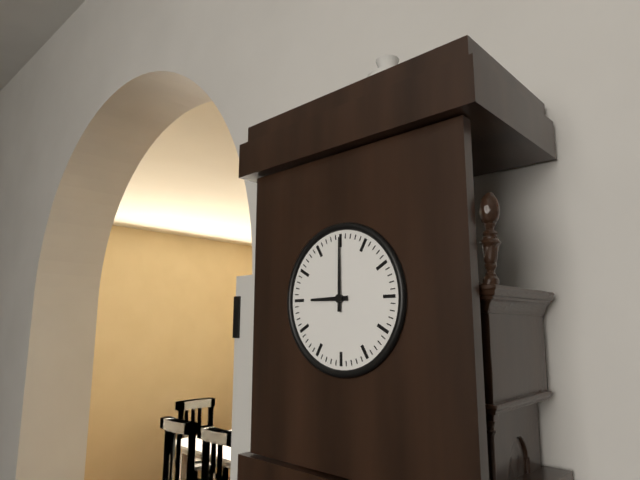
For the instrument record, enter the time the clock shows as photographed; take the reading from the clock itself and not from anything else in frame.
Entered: 9:00
